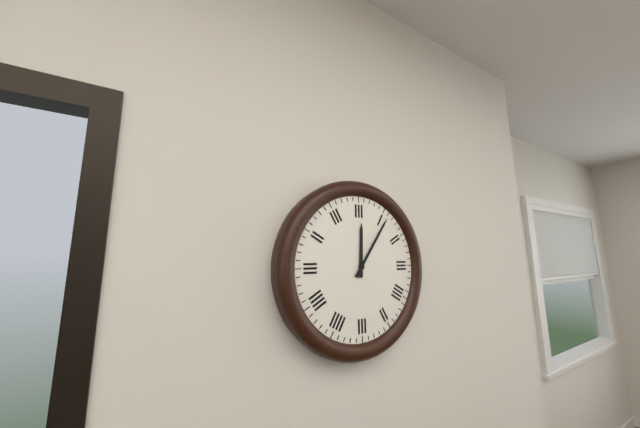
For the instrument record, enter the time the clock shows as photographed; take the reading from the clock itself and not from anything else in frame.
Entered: 12:06
